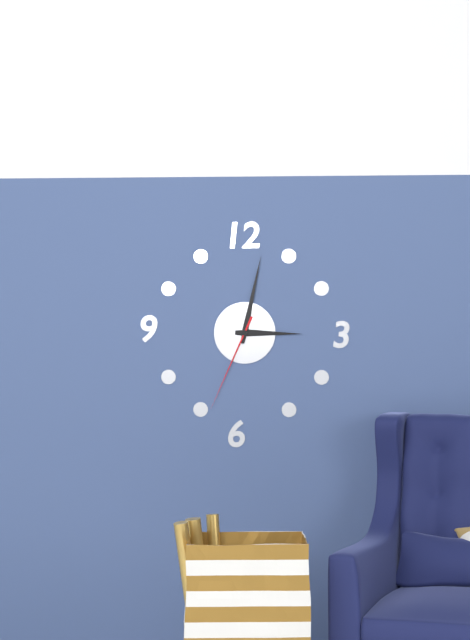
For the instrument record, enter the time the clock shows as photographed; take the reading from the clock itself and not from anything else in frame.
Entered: 3:02:34
